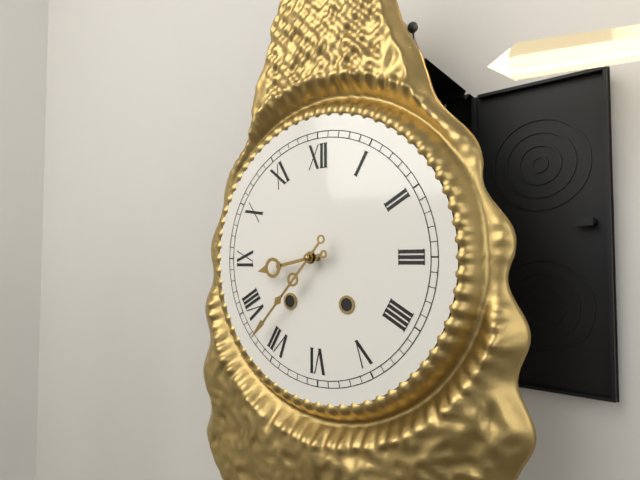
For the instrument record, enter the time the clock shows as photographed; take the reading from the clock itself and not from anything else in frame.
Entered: 8:37
